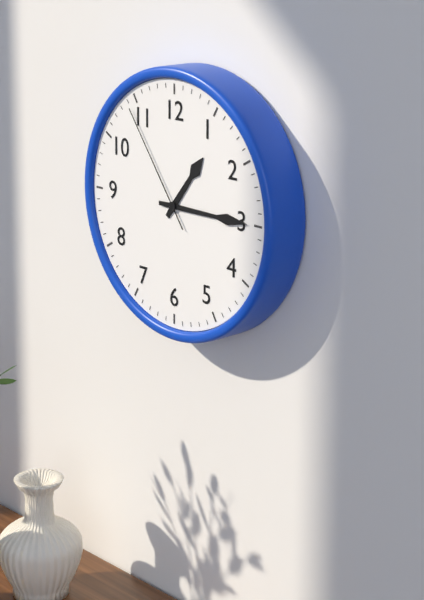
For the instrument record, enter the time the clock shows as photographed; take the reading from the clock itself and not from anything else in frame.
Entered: 1:15:54
